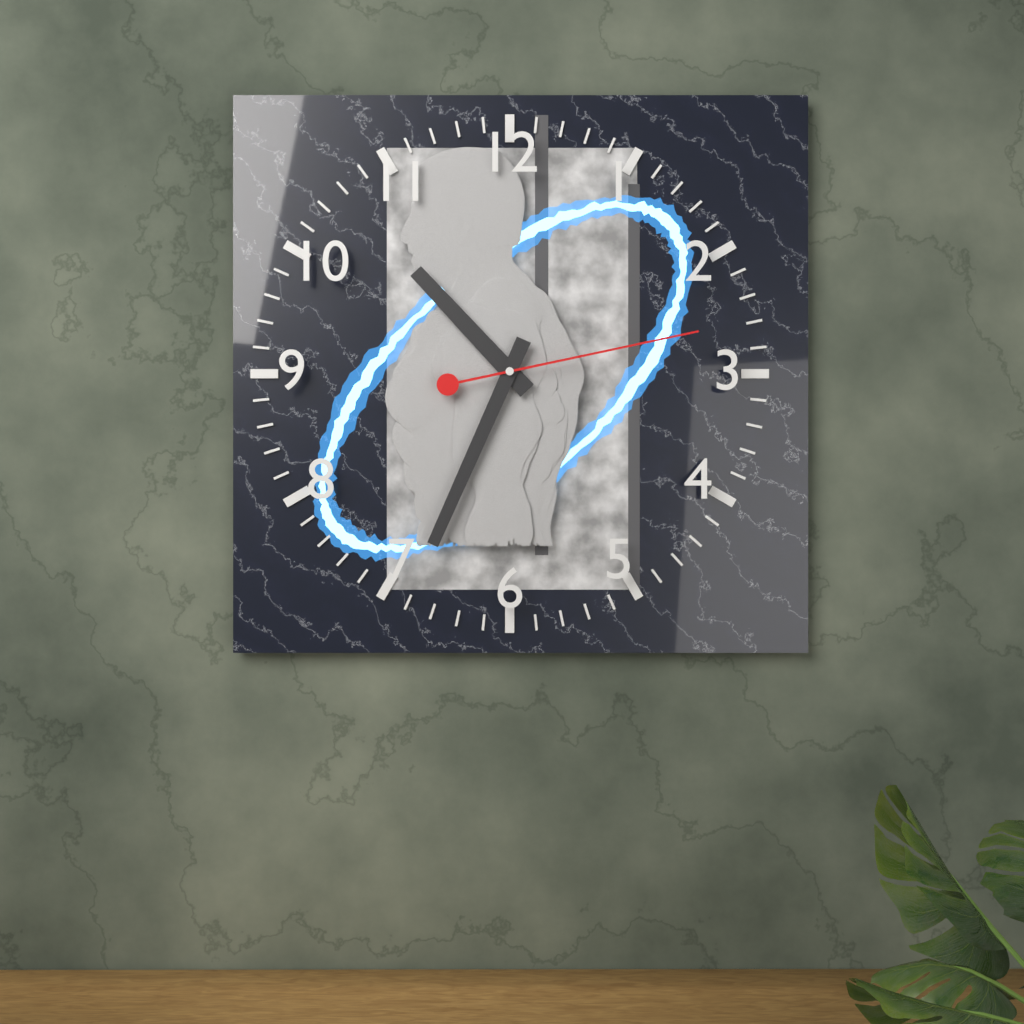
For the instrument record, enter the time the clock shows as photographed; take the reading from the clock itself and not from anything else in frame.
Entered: 10:34:13
